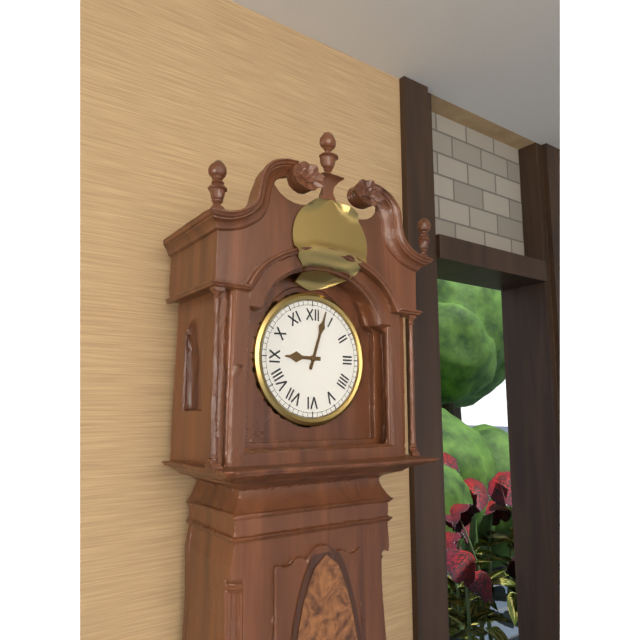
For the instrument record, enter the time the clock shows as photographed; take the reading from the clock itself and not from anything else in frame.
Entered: 9:03
